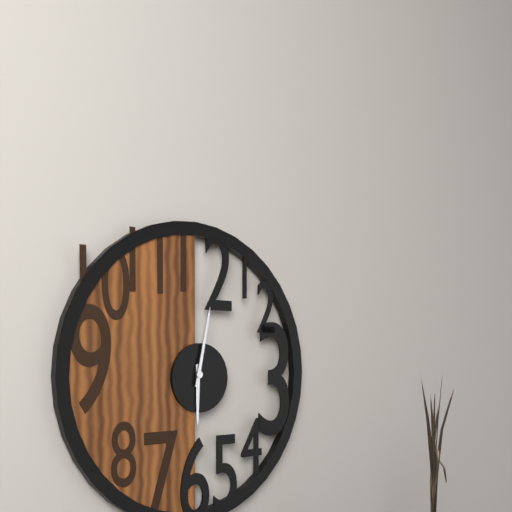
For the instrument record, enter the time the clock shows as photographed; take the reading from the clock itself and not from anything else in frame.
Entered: 6:02
